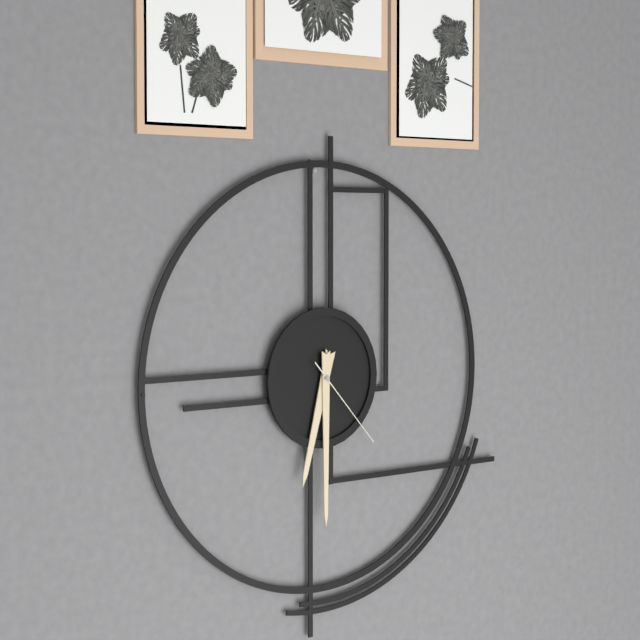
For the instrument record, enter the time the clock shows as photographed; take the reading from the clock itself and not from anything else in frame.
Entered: 6:30:23
